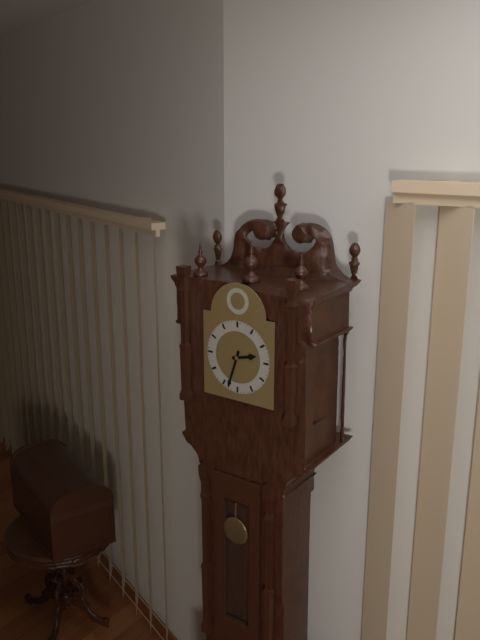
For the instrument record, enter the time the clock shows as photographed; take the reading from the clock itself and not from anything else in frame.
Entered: 2:33
